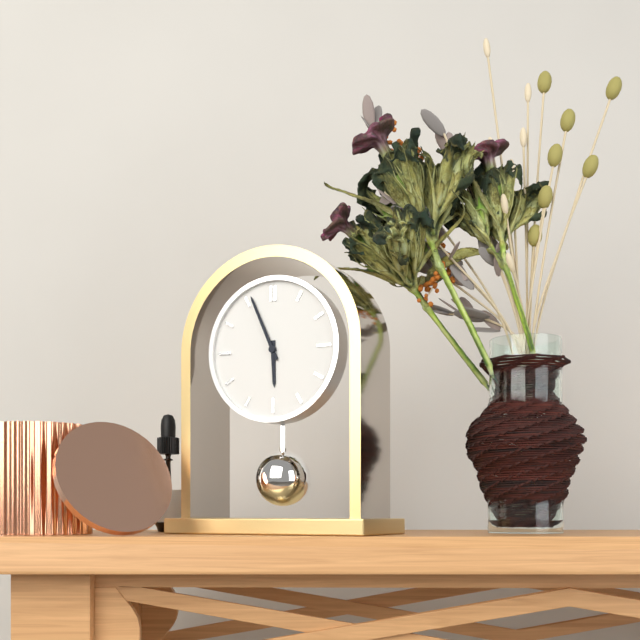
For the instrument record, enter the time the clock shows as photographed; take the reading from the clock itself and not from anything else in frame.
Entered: 5:56
